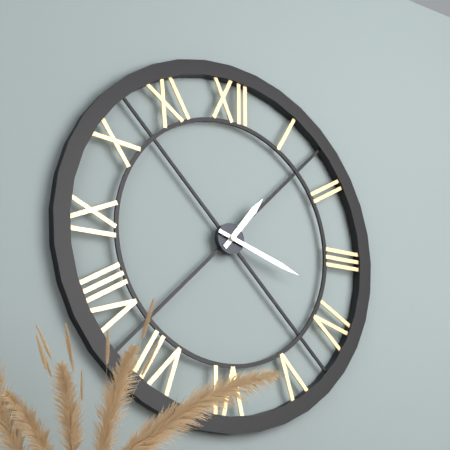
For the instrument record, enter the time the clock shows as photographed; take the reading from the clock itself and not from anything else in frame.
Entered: 1:18
